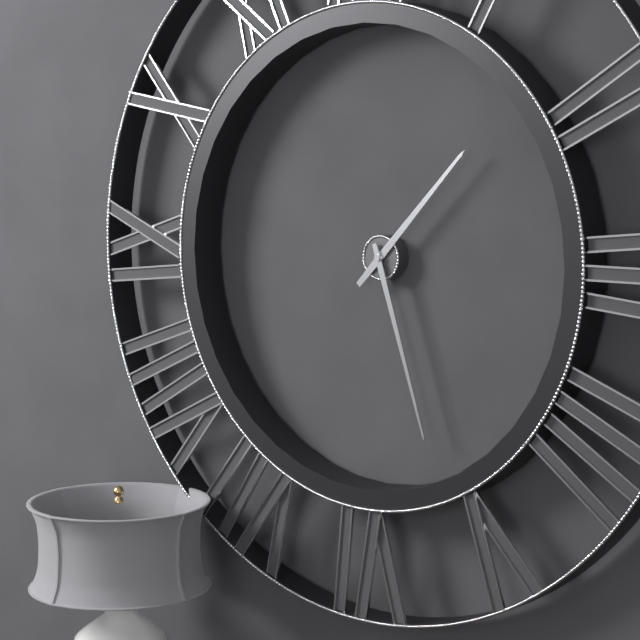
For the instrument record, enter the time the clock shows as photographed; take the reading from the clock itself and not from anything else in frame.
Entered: 1:27
